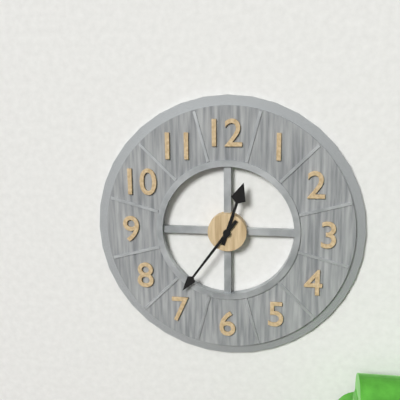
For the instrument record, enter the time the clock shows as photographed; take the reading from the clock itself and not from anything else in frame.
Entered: 12:36
